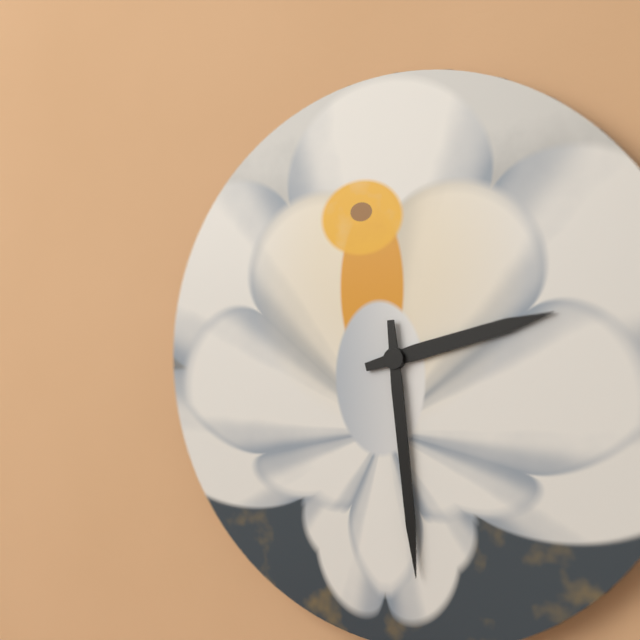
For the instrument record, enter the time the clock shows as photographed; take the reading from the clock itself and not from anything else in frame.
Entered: 2:29
